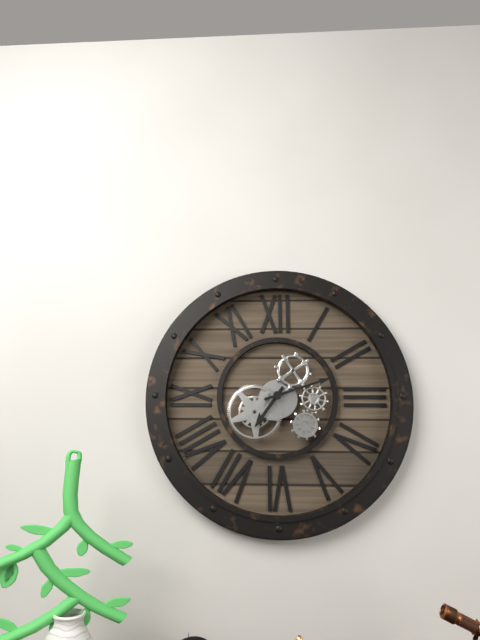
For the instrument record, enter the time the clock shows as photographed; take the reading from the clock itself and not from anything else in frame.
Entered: 7:12
